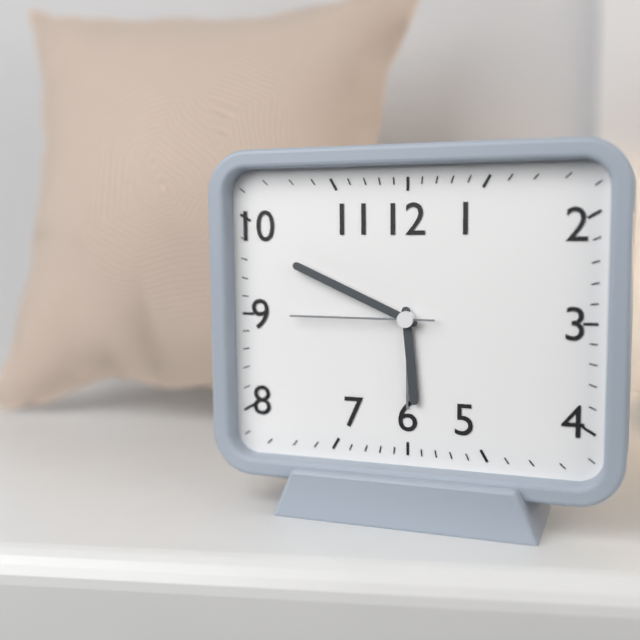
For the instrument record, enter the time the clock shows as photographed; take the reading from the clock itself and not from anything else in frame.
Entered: 5:49:45
